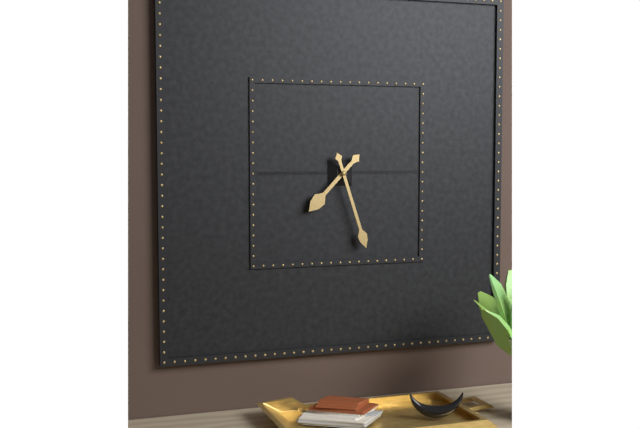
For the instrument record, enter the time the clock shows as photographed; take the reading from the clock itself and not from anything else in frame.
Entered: 7:27
